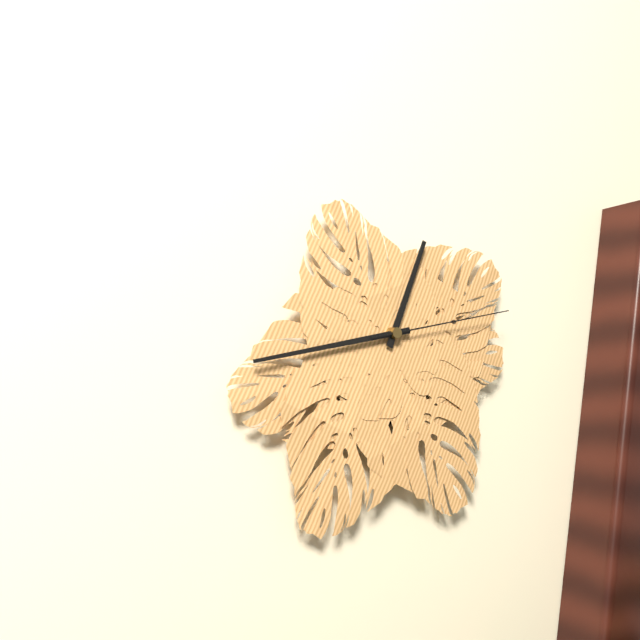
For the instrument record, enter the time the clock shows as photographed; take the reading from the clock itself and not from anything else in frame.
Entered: 12:43:13
